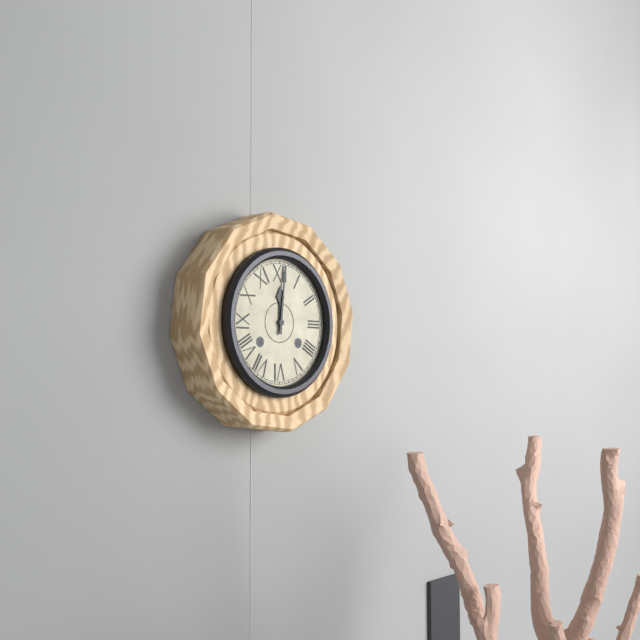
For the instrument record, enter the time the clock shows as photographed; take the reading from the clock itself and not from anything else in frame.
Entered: 12:01
